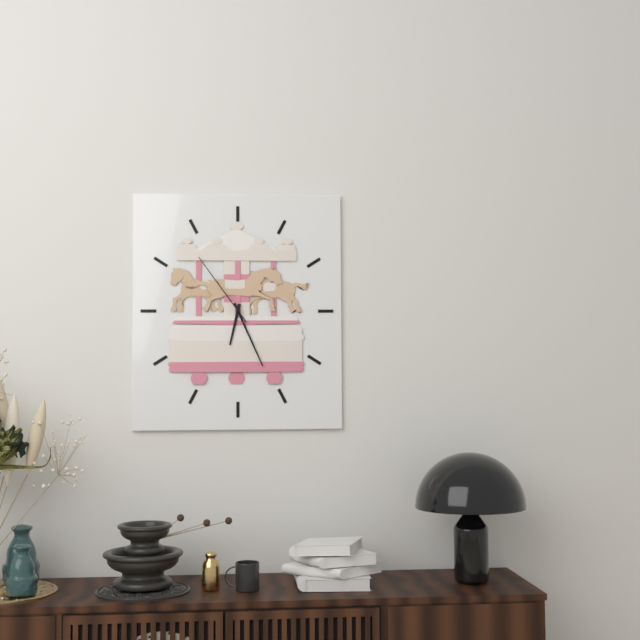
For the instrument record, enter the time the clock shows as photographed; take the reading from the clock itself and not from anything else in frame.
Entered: 6:26:54
